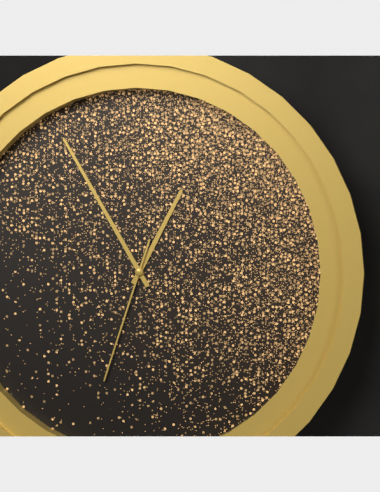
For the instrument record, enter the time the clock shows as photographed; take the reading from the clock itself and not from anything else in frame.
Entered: 12:55:33
